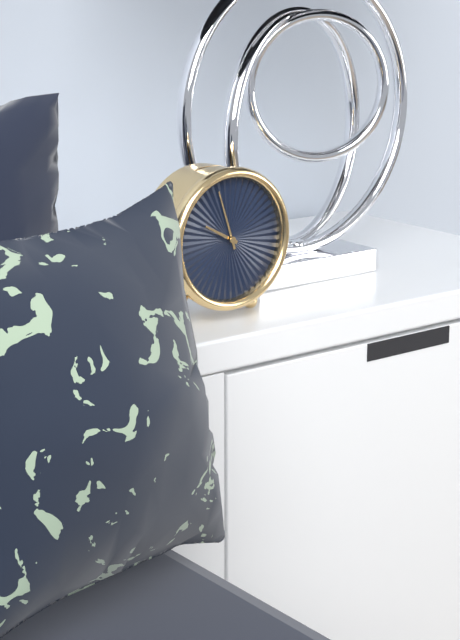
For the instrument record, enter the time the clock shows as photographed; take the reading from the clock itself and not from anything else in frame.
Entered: 9:57
